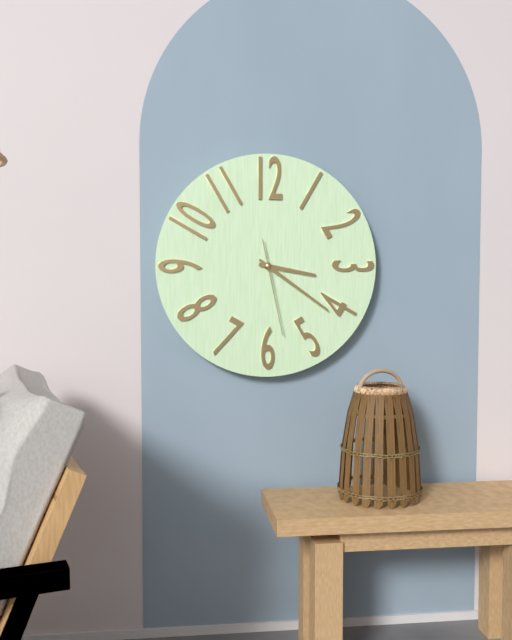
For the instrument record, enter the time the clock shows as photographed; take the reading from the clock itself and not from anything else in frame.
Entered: 3:21:28
